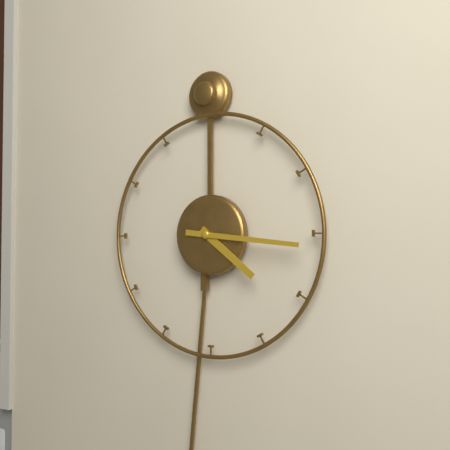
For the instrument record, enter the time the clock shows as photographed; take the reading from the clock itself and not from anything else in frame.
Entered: 4:16
